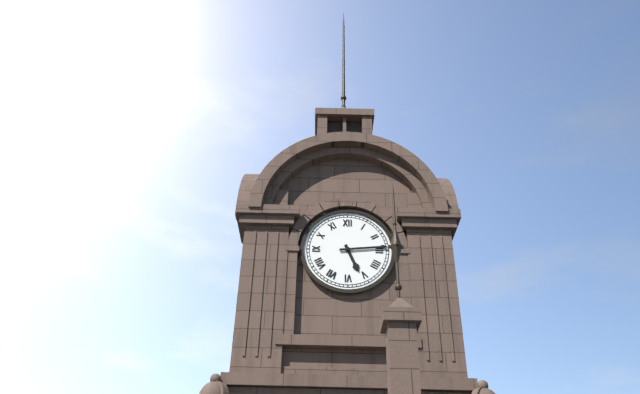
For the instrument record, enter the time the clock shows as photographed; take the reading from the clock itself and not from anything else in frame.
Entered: 5:14
